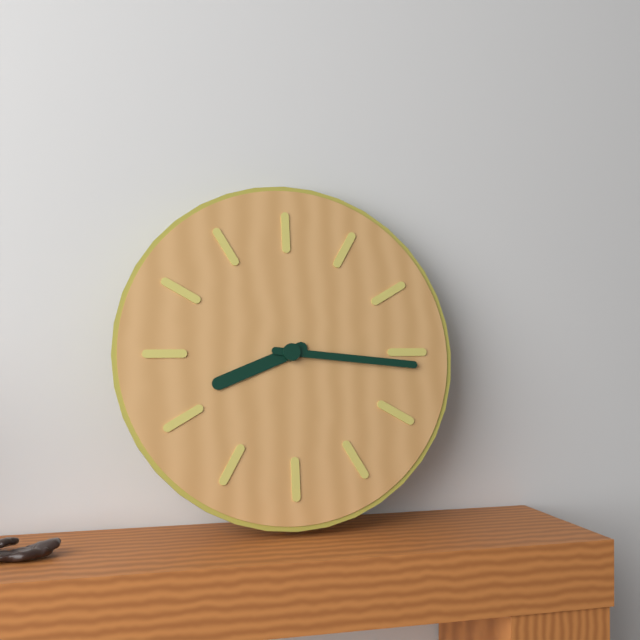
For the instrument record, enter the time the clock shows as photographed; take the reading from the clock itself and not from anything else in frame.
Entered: 8:16
